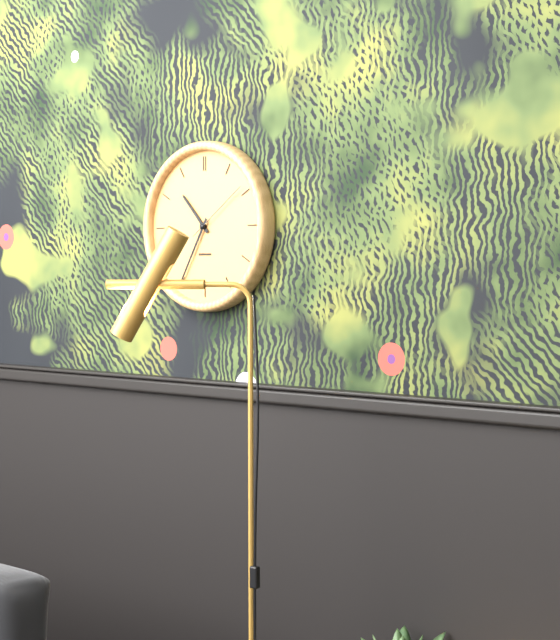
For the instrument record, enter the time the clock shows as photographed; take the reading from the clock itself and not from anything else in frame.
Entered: 10:35:09
